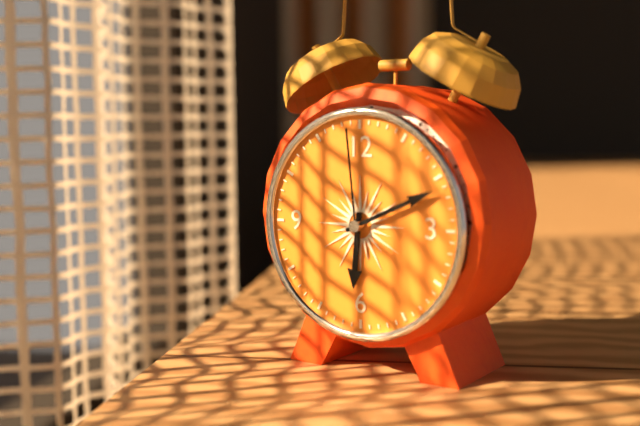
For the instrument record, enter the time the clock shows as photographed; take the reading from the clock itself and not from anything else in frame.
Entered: 6:11:59
